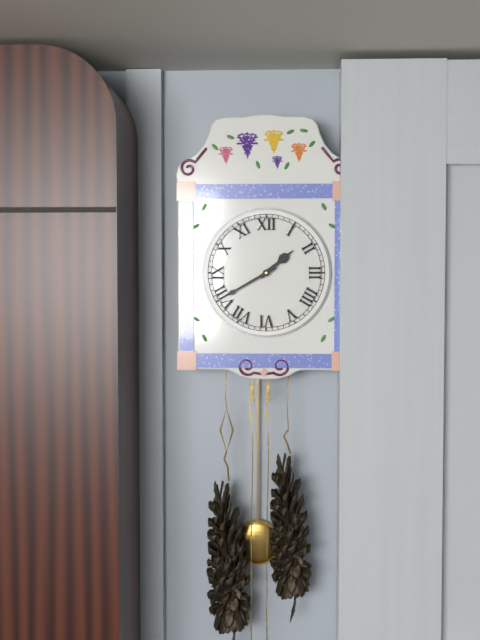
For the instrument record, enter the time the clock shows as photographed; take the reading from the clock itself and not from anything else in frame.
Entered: 1:40
